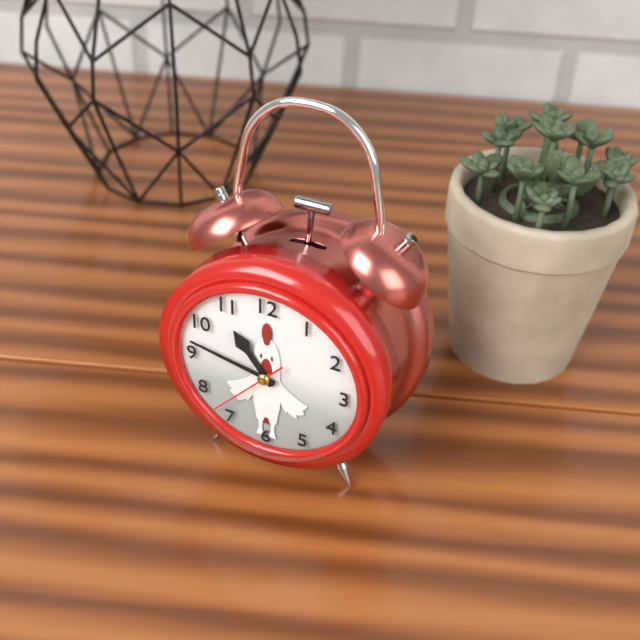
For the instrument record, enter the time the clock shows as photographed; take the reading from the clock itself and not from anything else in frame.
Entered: 10:47:37
